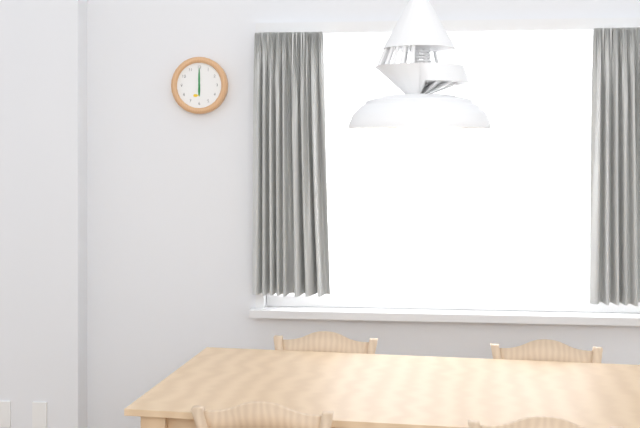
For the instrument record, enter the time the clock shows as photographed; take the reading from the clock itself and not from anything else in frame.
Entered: 6:00
